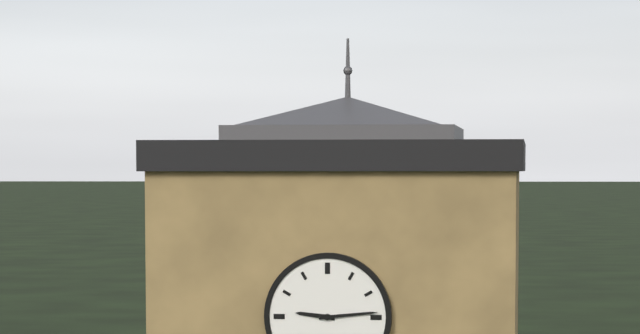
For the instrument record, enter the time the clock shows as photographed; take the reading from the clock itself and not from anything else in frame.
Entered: 9:14
